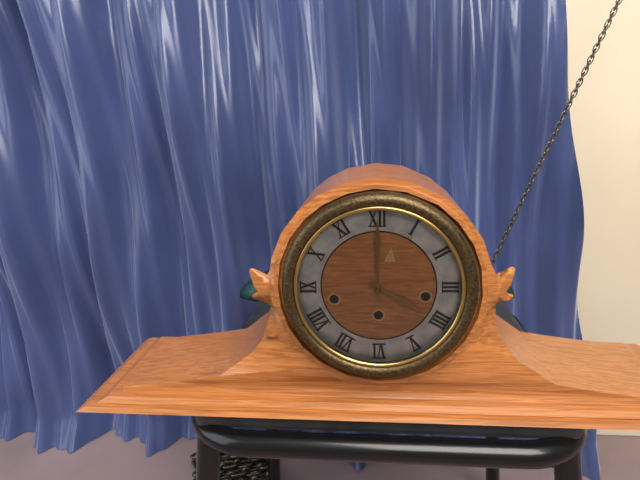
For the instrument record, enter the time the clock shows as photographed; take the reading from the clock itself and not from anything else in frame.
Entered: 4:00
